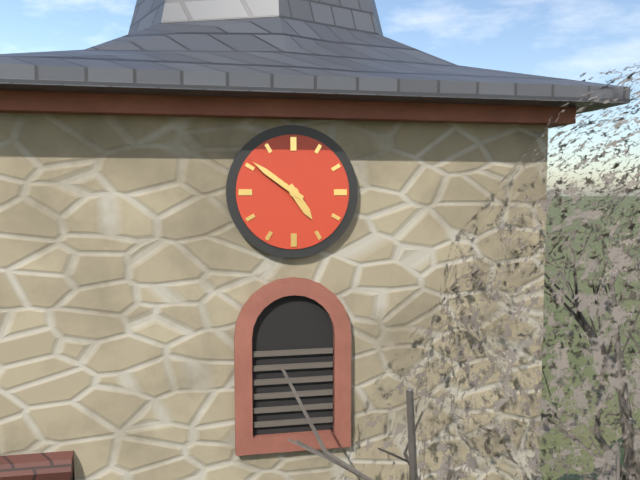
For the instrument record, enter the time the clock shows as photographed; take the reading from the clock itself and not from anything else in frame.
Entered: 4:51
